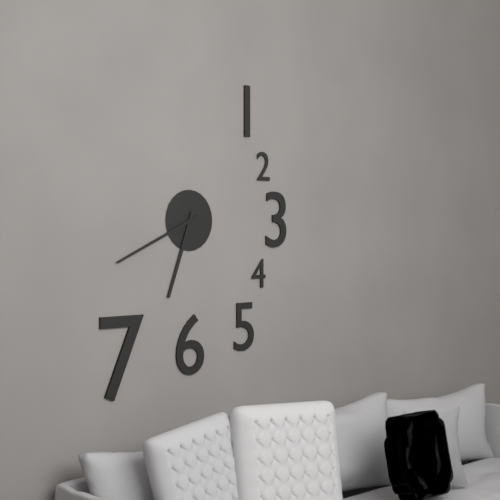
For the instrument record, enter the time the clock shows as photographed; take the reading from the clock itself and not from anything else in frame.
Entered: 6:41
